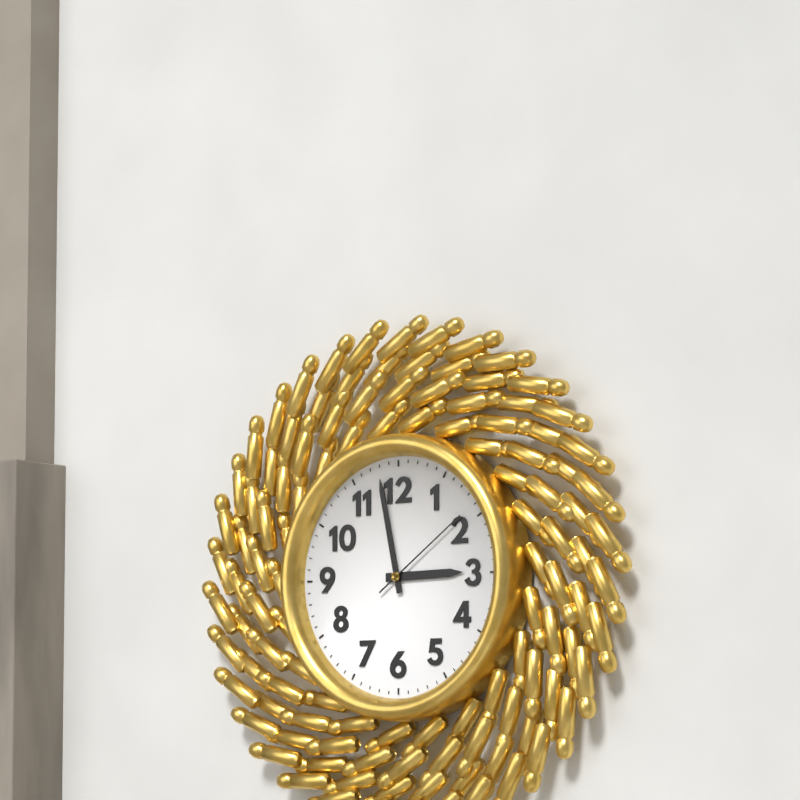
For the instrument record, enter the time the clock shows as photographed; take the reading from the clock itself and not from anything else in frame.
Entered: 2:58:09
